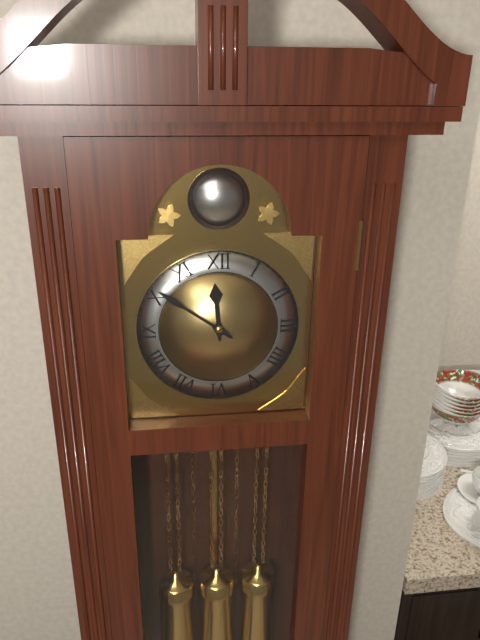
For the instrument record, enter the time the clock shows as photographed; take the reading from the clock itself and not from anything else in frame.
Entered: 11:51
